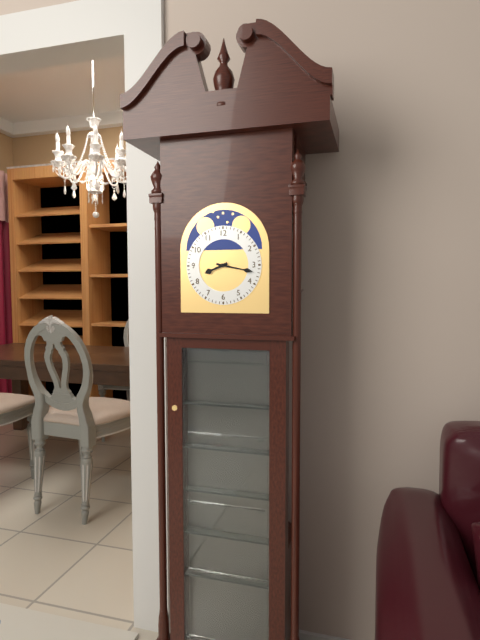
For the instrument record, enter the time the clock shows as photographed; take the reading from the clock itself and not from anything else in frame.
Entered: 8:17
